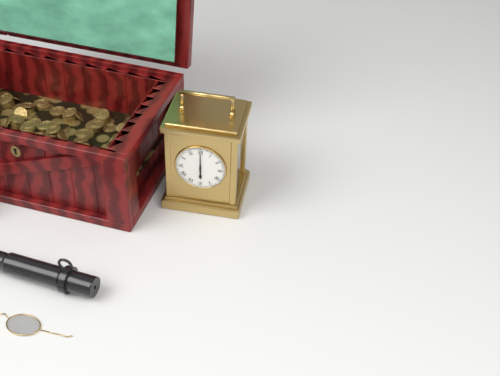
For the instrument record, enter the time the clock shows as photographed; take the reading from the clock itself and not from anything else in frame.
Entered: 6:00
